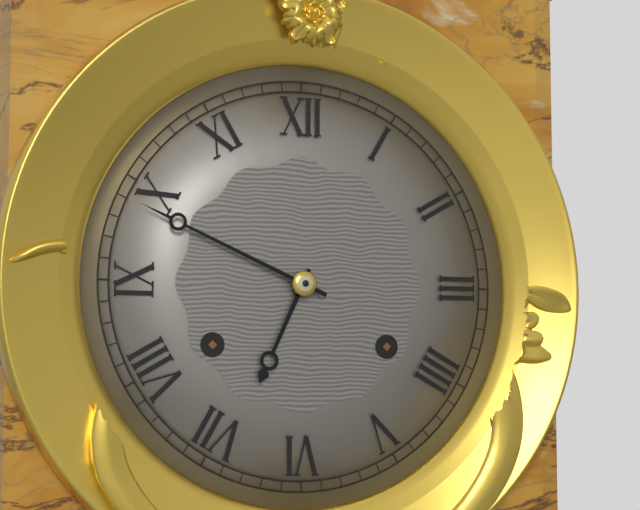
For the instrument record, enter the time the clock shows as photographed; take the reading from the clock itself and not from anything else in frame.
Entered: 6:49
